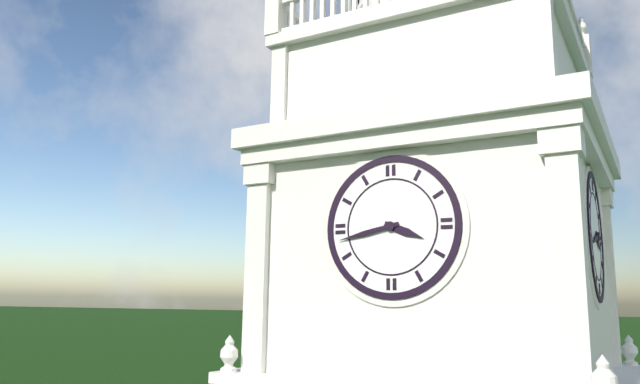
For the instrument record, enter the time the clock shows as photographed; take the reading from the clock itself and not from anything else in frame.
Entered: 3:43
